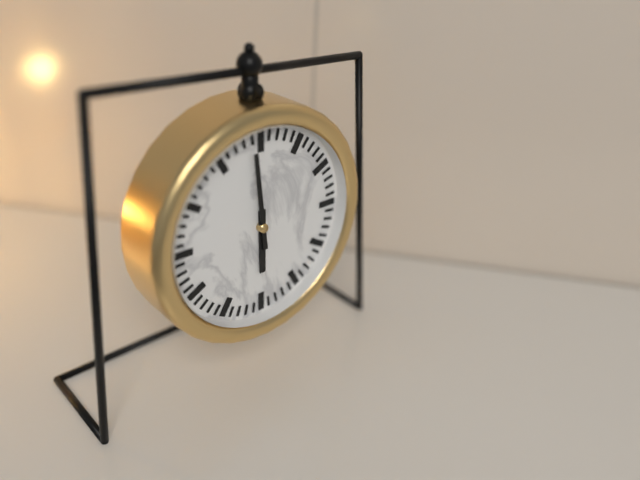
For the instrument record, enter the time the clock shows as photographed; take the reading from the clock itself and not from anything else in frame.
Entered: 5:59
